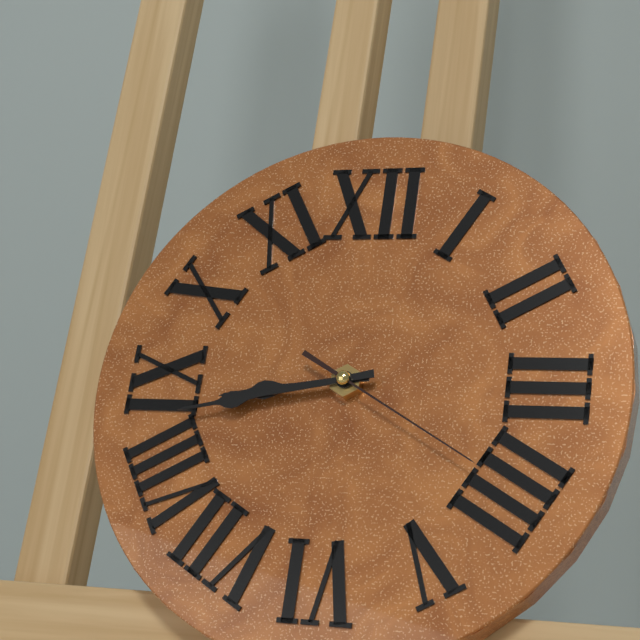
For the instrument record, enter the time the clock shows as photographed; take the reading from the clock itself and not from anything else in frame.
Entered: 8:43:20
